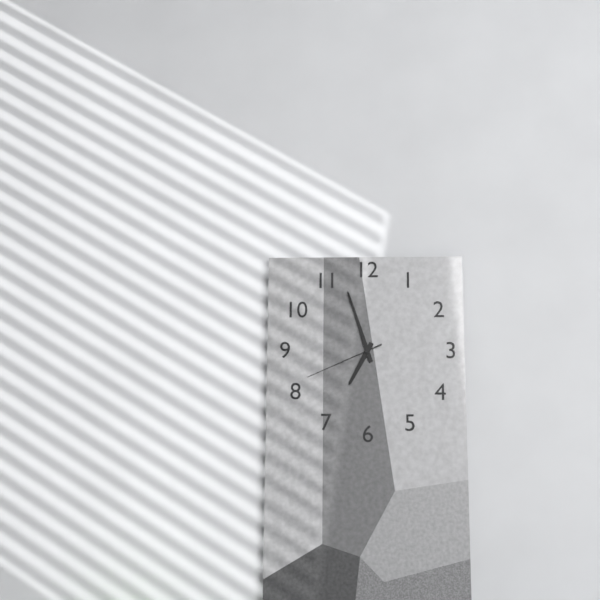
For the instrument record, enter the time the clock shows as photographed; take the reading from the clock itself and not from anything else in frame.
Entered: 6:57:41
